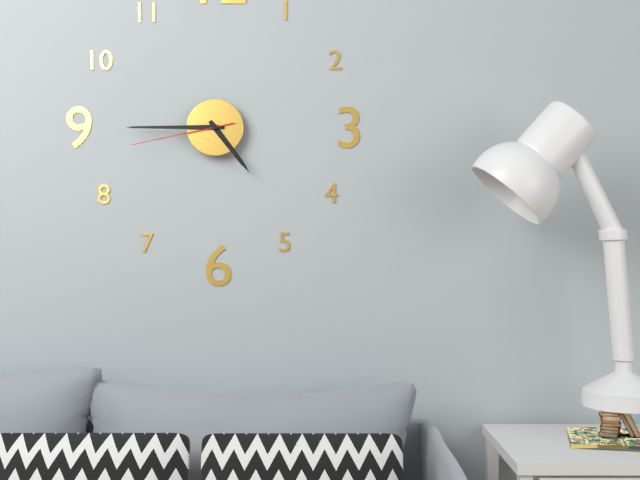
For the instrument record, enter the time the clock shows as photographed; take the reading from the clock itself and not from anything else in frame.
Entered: 4:45:43
